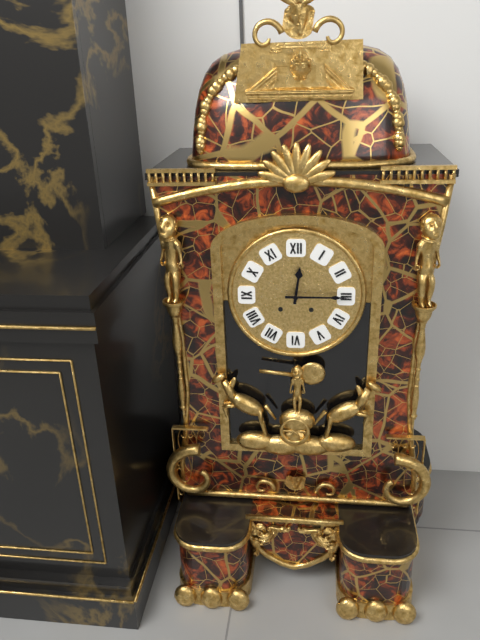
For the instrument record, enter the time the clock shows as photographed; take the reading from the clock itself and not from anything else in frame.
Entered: 12:15
